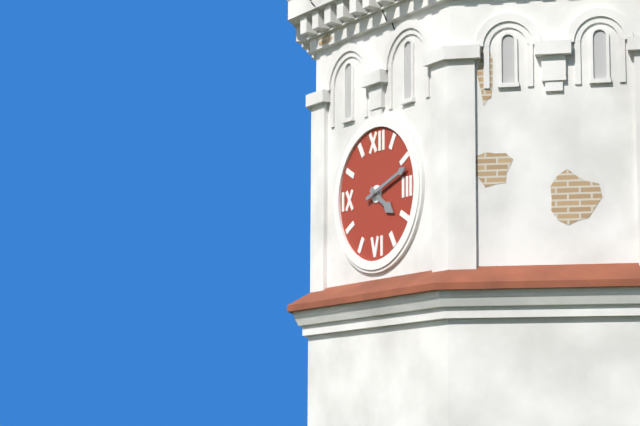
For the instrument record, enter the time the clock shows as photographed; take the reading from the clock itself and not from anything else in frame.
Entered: 4:12
